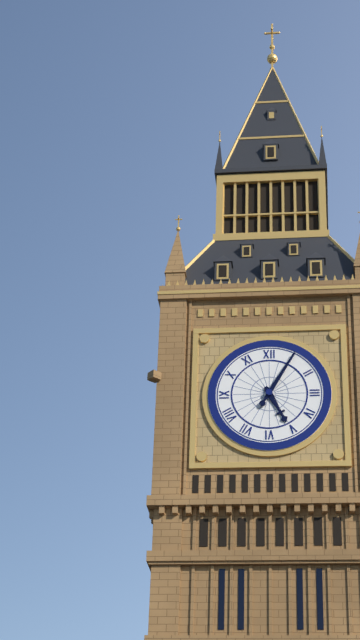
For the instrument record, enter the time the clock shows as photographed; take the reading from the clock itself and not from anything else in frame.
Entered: 5:05
